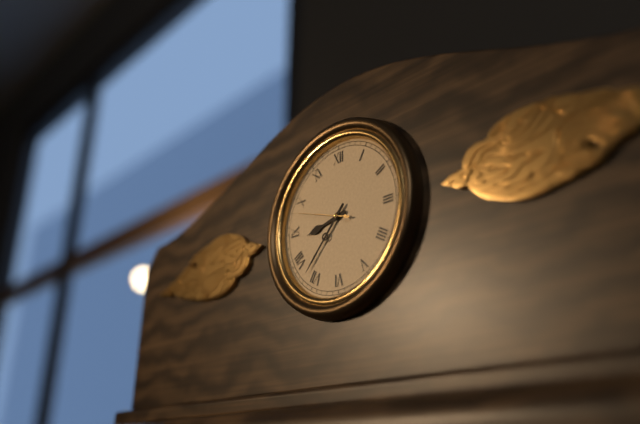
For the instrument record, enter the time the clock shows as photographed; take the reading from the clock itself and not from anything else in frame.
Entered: 8:37:48
